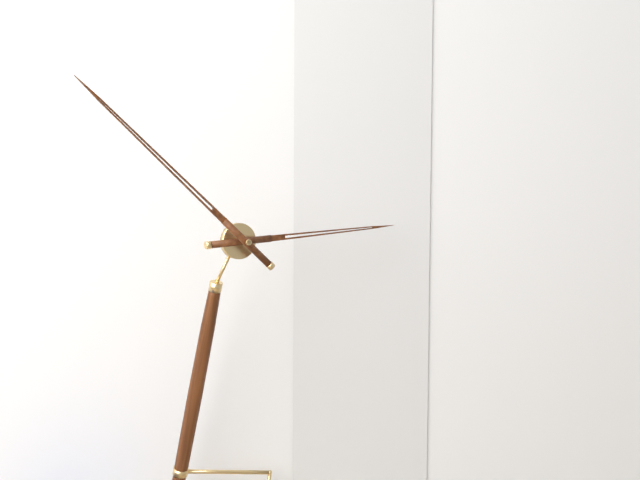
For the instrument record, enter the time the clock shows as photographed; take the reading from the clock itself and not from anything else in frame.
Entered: 2:52
